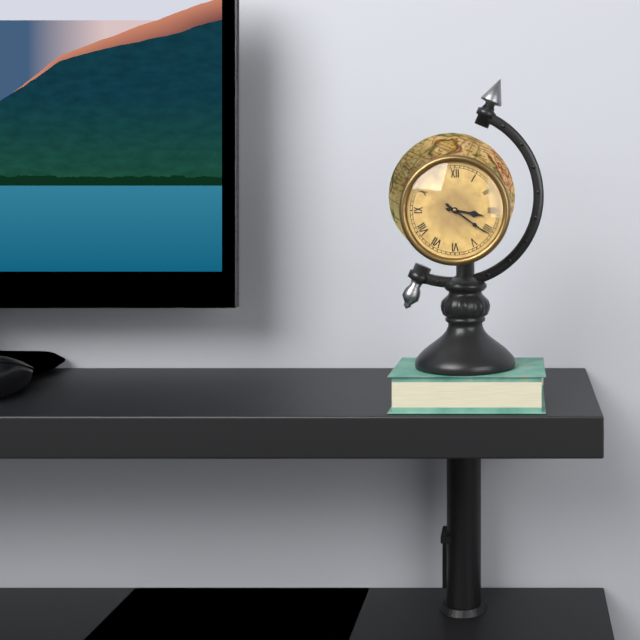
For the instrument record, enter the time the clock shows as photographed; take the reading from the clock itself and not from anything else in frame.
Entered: 3:21
